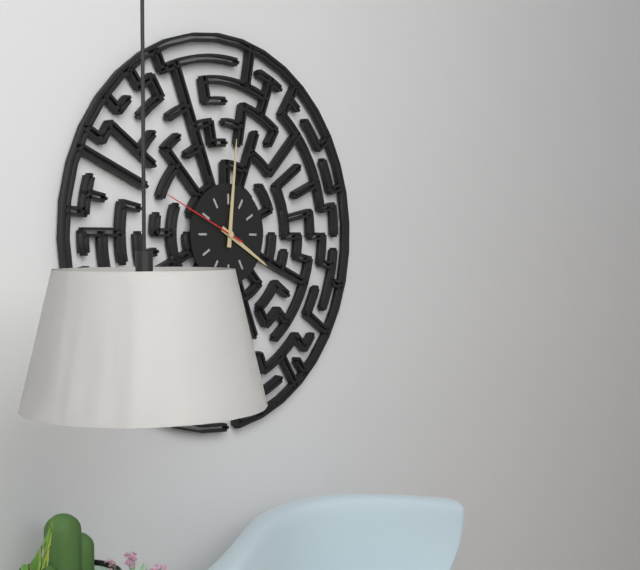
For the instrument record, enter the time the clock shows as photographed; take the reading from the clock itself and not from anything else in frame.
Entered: 4:01:49
